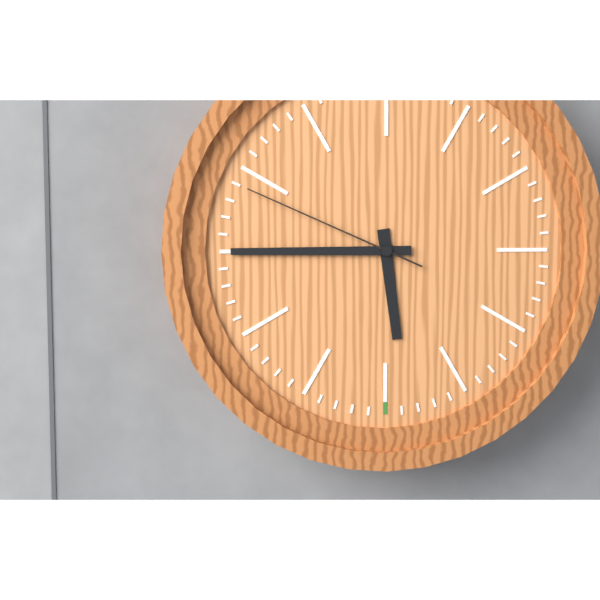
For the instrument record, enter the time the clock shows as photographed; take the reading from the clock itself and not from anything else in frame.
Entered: 5:45:49
